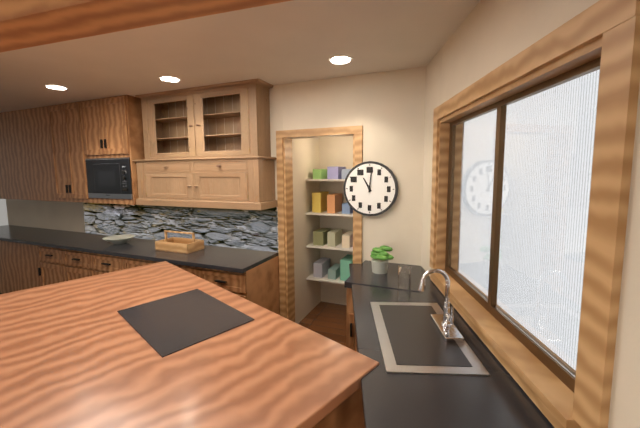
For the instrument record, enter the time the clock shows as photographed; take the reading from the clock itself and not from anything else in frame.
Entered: 11:01
